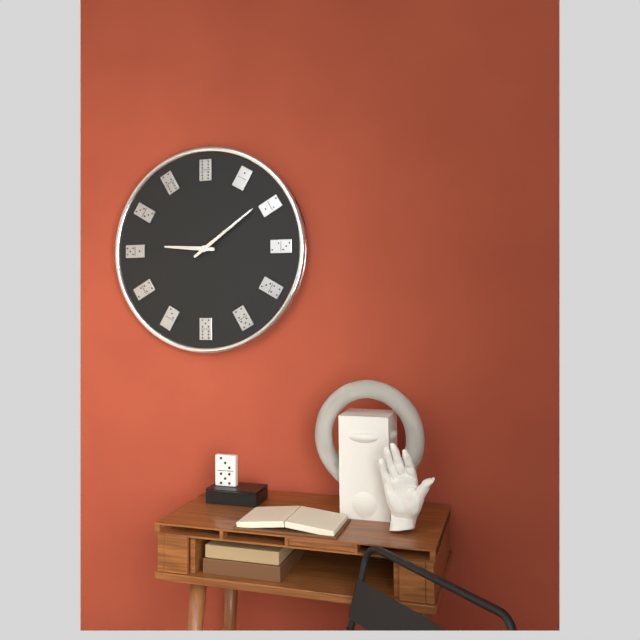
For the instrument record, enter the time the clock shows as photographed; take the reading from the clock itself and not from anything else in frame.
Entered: 9:09
